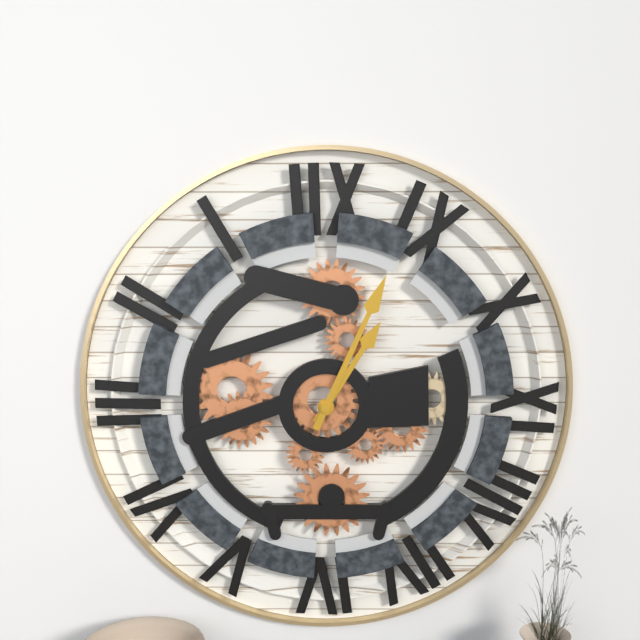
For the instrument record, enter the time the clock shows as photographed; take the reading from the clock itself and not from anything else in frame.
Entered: 1:04
